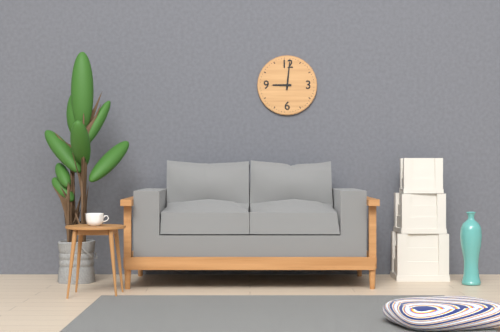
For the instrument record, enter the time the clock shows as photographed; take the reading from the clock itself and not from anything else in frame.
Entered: 9:01
